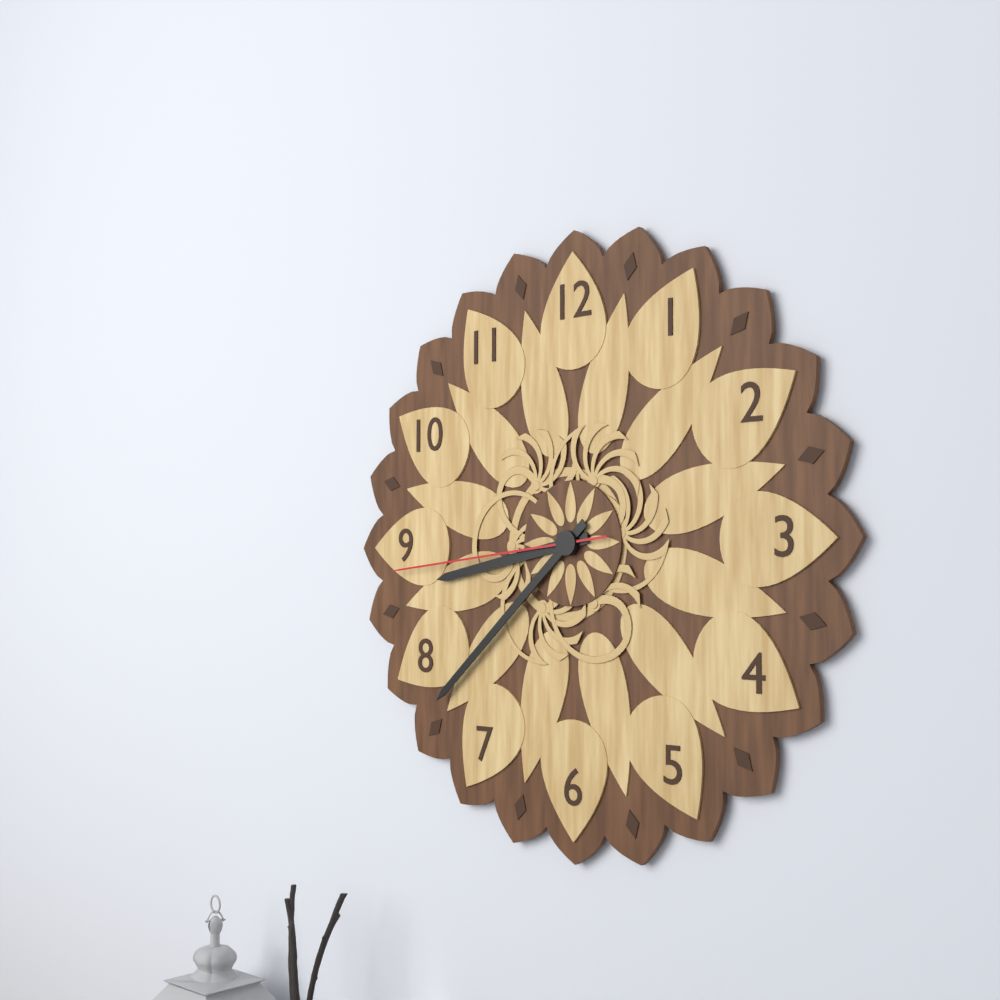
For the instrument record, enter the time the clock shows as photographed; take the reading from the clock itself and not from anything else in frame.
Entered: 8:38:44
